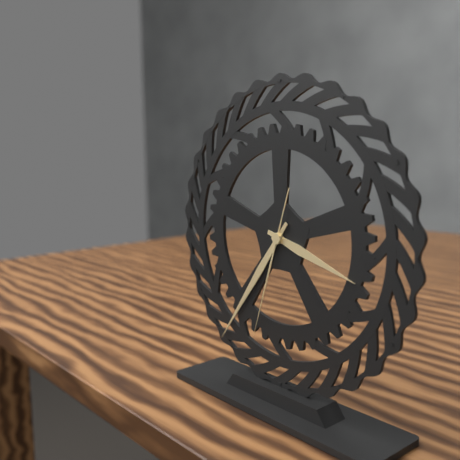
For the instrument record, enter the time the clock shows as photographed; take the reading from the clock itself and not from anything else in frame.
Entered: 3:36:33
